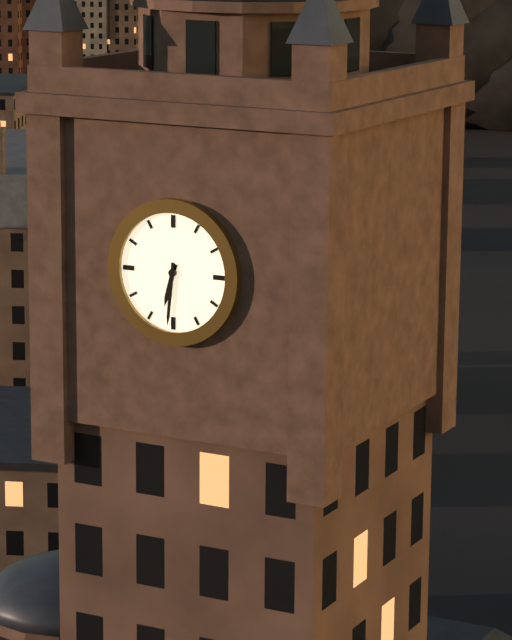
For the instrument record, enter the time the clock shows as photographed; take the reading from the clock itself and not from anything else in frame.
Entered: 6:31
